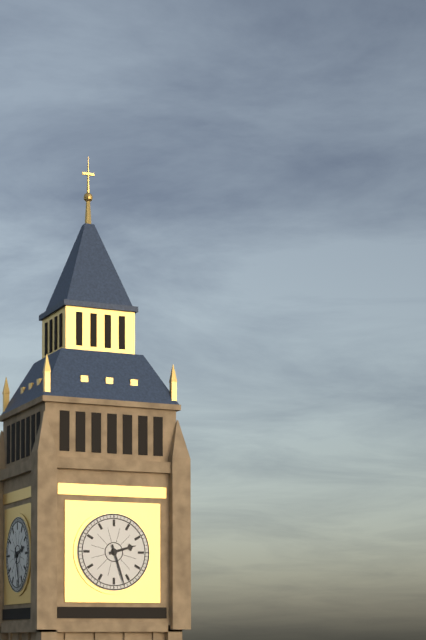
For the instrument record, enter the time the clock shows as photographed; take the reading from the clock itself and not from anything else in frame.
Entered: 2:27
